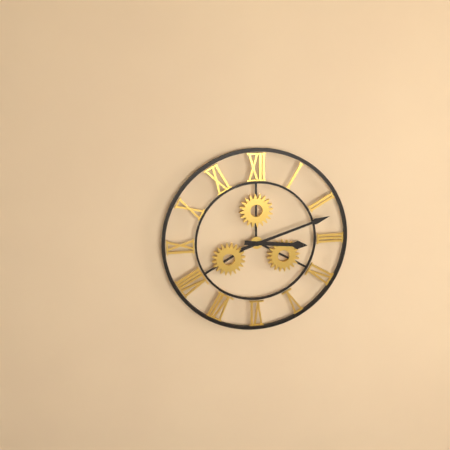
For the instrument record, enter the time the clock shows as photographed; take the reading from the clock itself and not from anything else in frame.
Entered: 3:12
